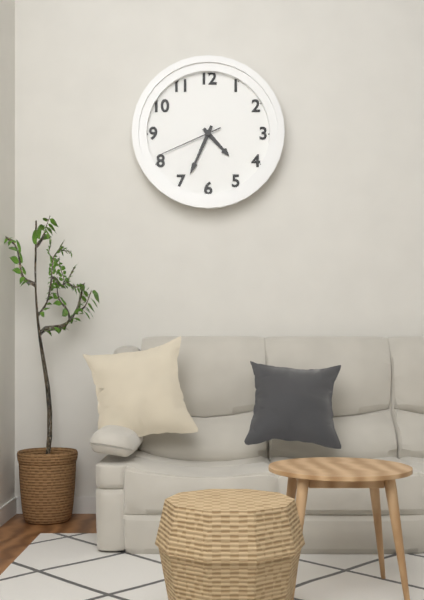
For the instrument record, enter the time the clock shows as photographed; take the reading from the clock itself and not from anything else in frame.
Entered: 4:34:41
